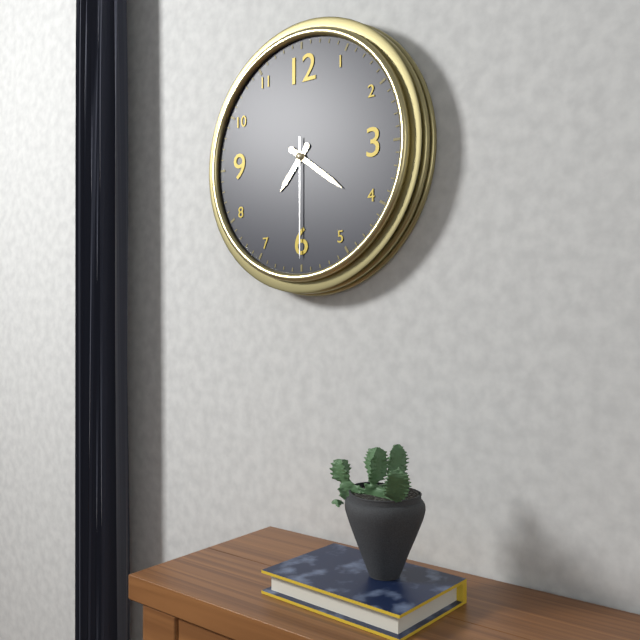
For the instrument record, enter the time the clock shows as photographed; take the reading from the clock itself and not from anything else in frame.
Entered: 7:21:30
